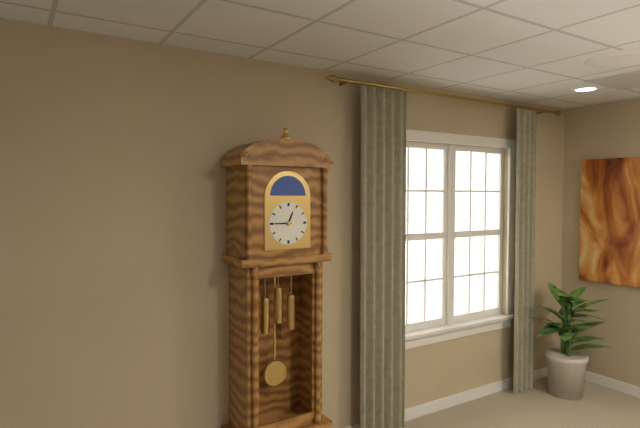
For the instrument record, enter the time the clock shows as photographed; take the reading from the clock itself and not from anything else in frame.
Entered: 12:45
